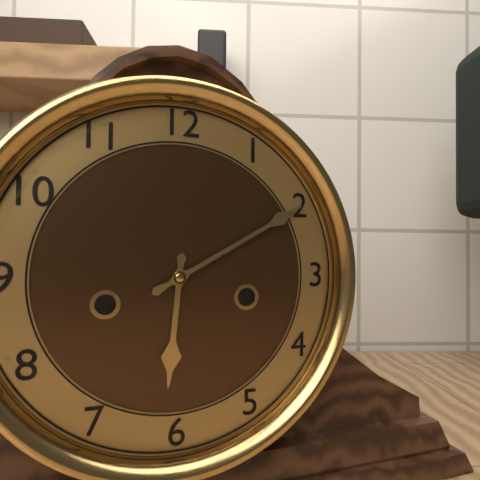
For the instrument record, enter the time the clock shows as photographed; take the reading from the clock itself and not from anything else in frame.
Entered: 6:10
